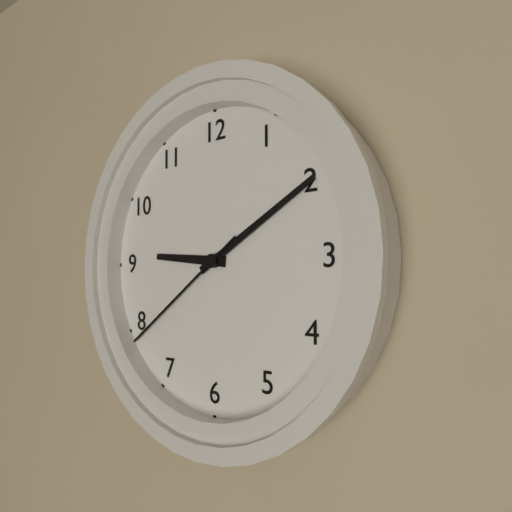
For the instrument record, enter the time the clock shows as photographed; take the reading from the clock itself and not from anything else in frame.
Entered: 9:10:39
